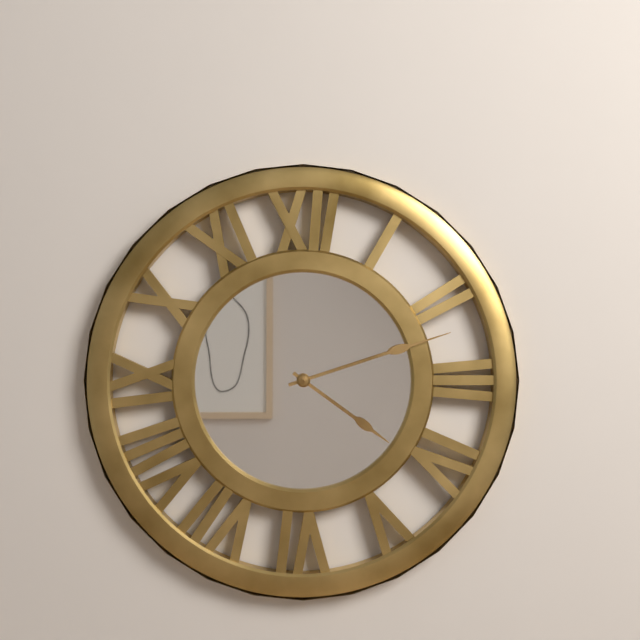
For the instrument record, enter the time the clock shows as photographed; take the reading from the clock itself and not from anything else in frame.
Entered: 4:12
